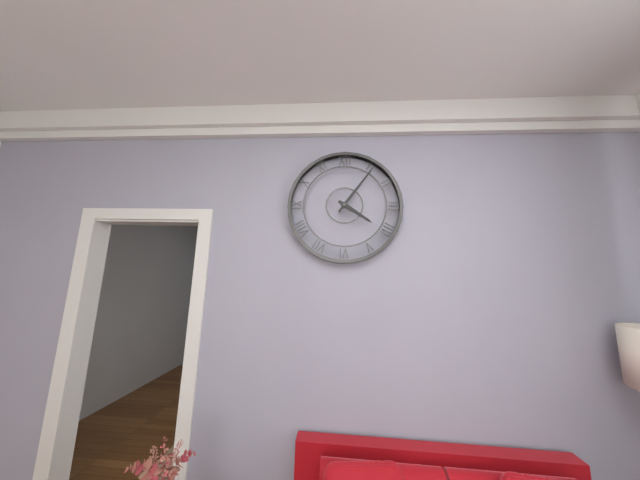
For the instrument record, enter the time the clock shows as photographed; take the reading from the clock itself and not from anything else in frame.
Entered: 4:06
